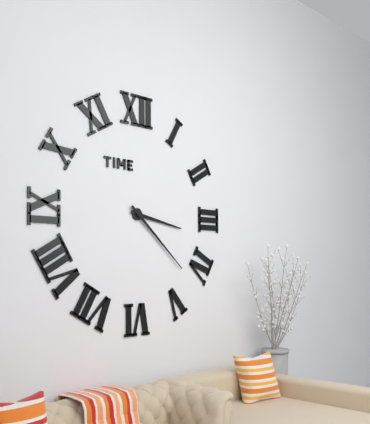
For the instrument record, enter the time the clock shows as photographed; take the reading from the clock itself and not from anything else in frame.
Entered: 3:22
